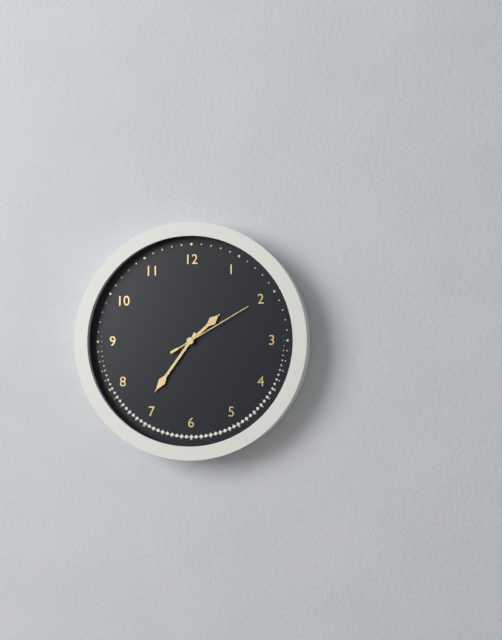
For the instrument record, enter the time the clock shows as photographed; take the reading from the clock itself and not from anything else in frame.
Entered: 1:36:10
